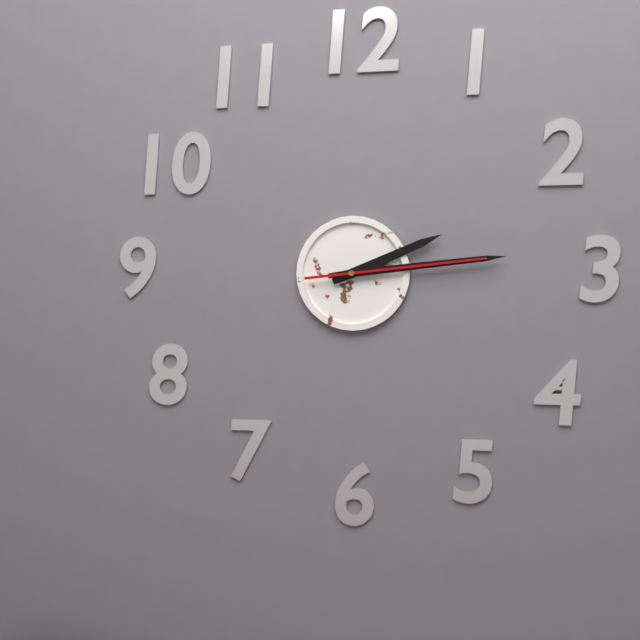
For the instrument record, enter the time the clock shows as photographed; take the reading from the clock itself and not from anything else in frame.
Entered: 2:14:14
